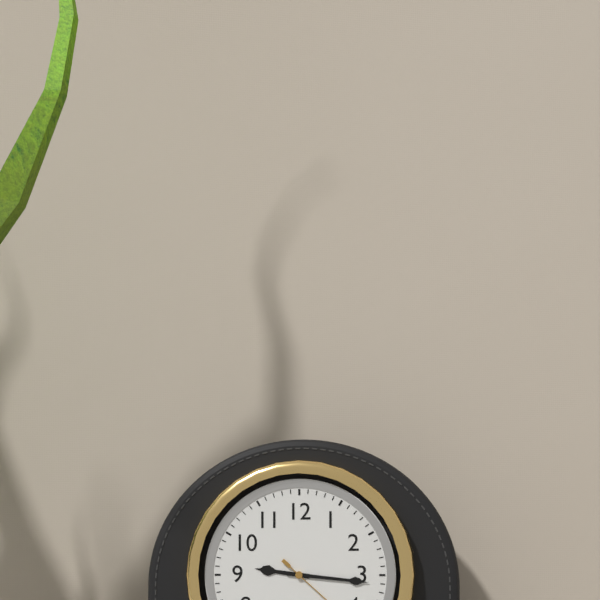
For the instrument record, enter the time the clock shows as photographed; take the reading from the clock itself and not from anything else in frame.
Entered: 9:16
